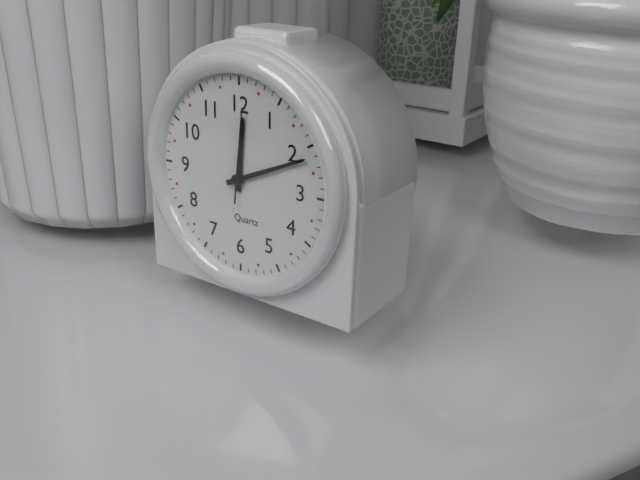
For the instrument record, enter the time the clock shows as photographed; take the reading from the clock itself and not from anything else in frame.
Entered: 12:11:01
